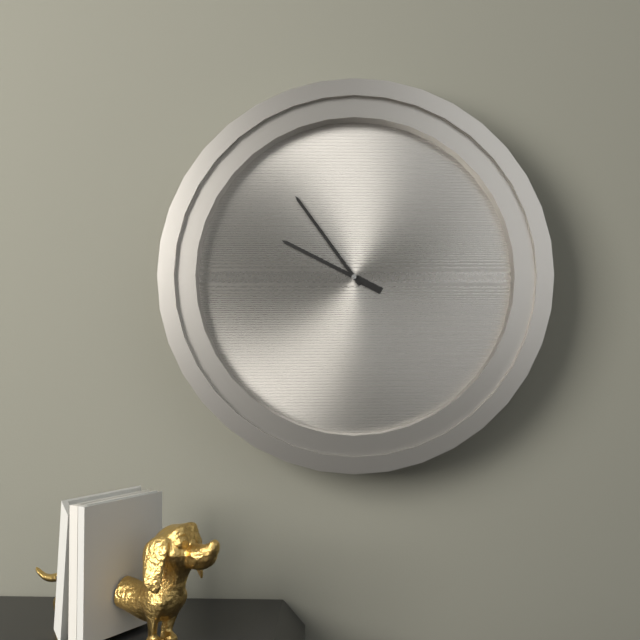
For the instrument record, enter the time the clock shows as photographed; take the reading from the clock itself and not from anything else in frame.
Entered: 9:54
